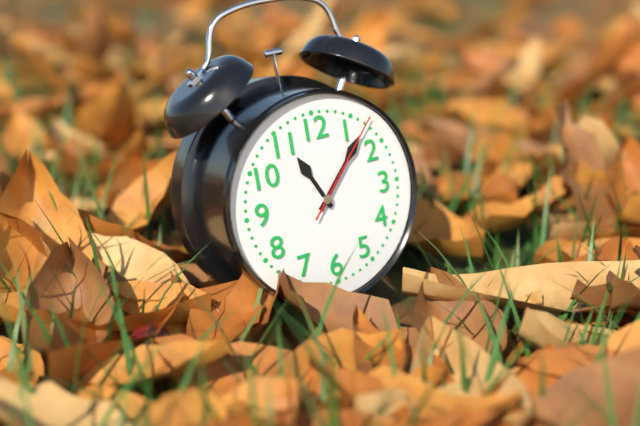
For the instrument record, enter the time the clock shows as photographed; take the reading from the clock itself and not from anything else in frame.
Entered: 11:07:07
